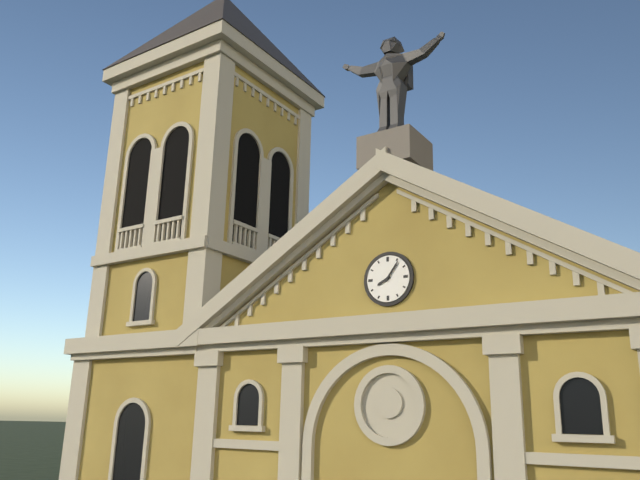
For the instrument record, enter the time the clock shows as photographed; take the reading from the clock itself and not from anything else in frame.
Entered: 8:06
